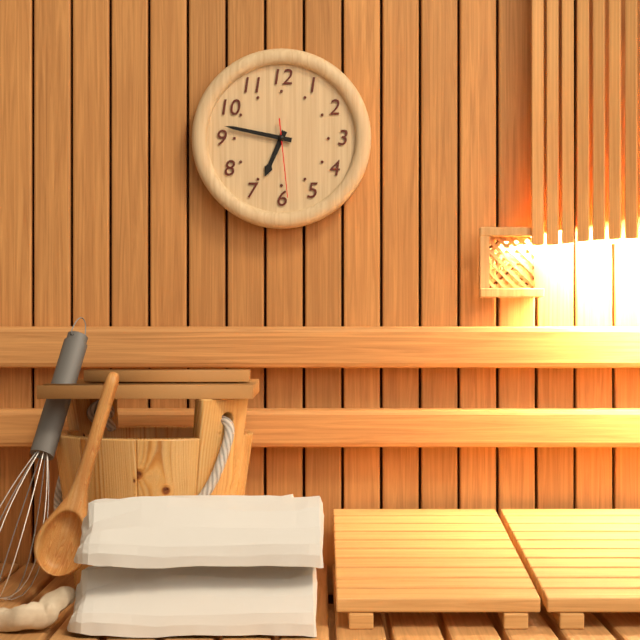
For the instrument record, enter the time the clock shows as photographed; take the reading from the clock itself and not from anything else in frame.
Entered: 6:47:29
